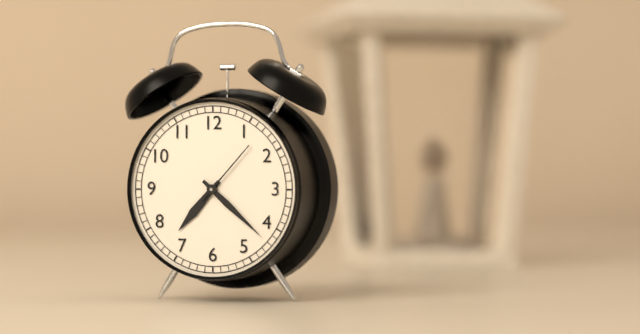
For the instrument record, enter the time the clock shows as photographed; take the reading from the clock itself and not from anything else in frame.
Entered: 7:22:07
